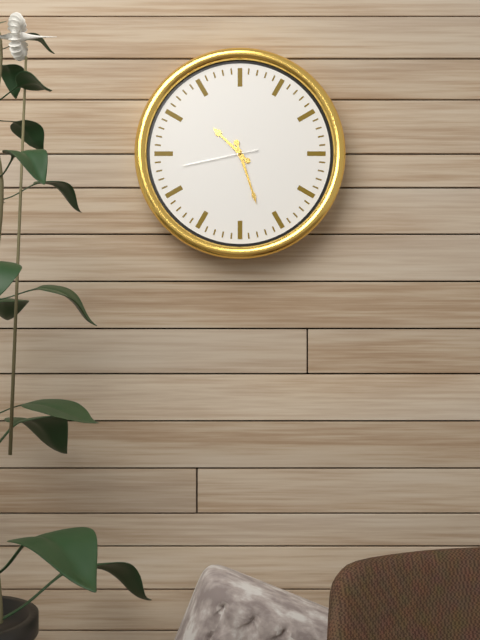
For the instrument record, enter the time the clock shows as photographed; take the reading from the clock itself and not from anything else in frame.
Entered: 10:27:43
